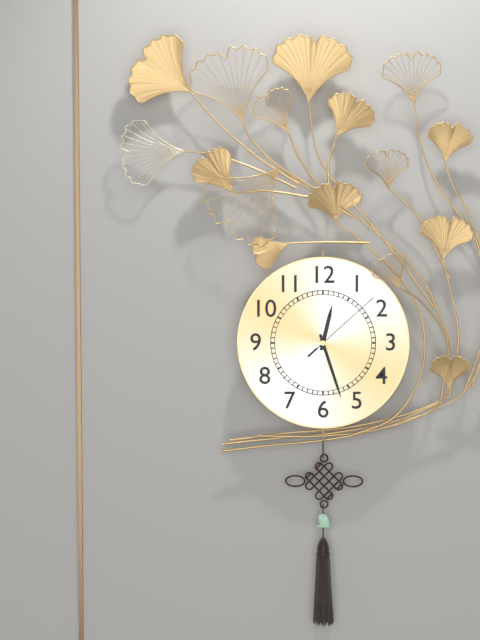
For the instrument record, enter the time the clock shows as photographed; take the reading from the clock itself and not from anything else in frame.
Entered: 12:27:08
